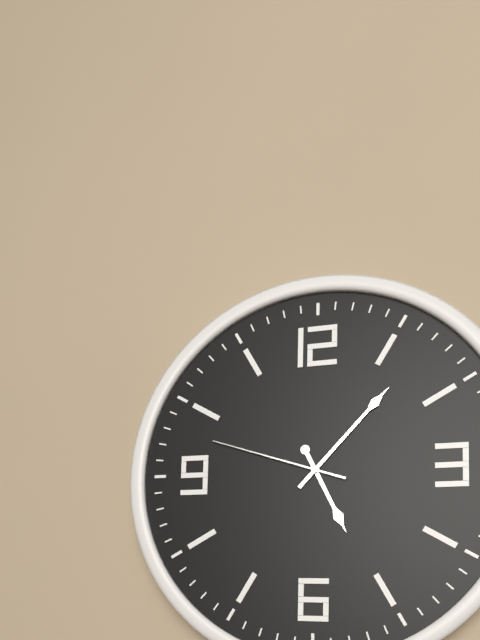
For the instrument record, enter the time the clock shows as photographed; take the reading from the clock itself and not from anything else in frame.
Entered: 5:07:48
